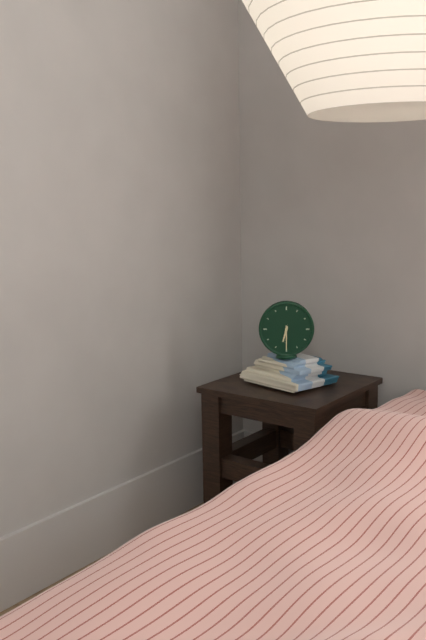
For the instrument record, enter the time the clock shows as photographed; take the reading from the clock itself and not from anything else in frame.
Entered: 6:30
